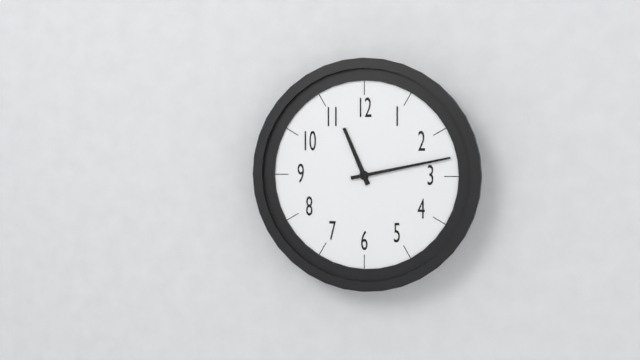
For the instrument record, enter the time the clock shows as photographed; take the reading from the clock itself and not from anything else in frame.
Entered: 11:13
